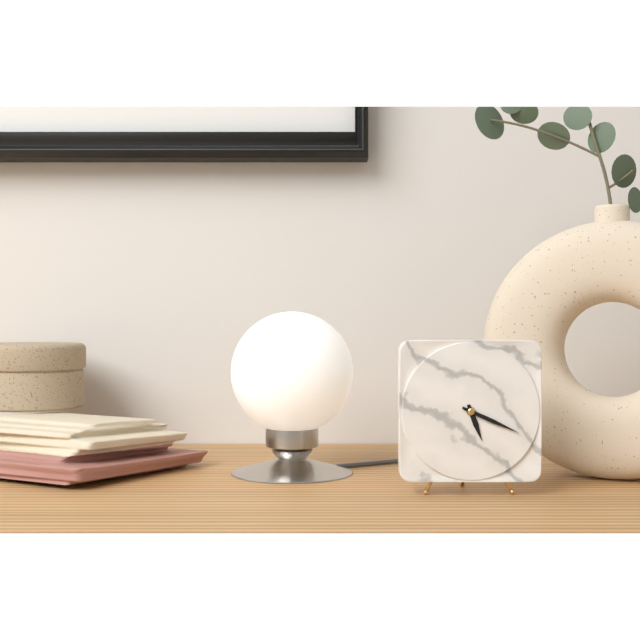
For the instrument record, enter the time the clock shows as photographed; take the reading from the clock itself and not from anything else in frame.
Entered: 5:19
